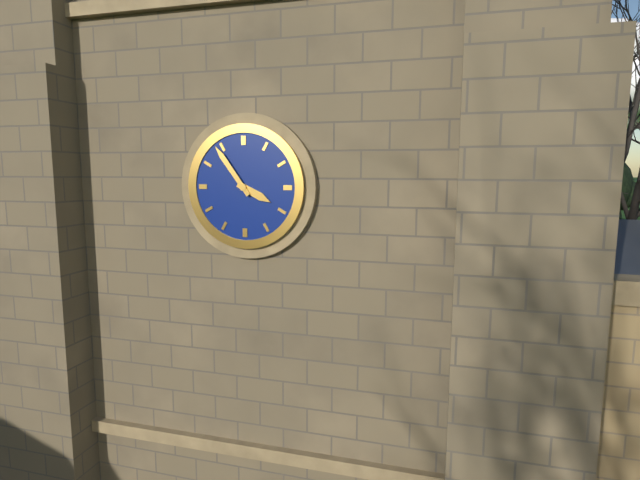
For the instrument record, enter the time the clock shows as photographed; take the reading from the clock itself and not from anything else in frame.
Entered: 3:54
